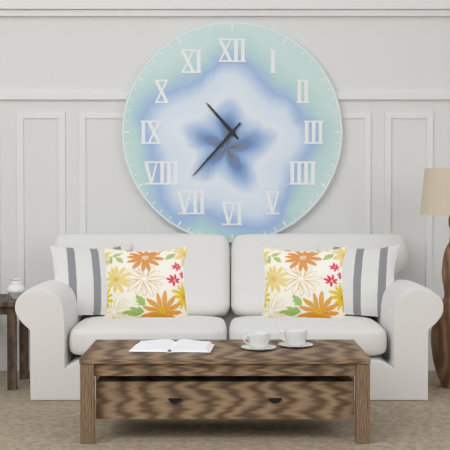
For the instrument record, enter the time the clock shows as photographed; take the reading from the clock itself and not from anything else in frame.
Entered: 10:37
